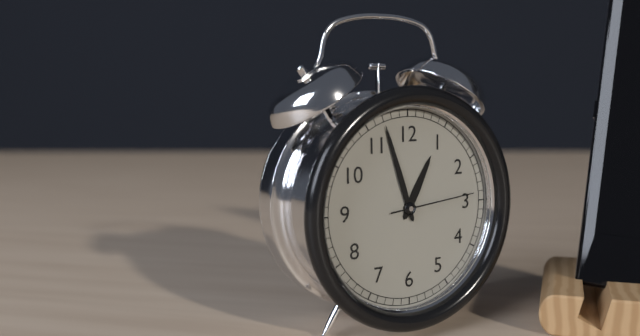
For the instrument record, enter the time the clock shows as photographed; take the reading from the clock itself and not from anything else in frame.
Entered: 12:57:14
